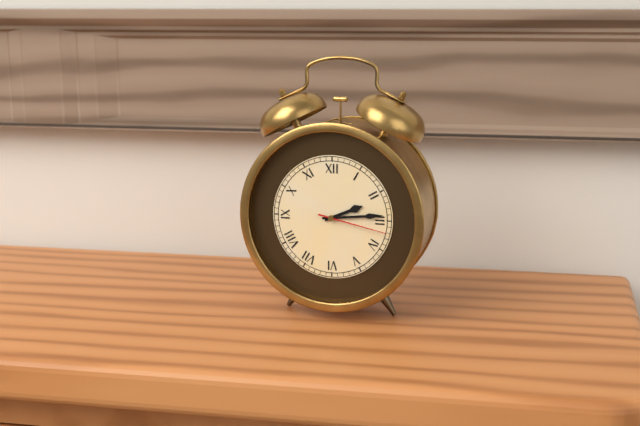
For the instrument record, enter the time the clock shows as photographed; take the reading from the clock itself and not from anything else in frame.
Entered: 2:14:17
